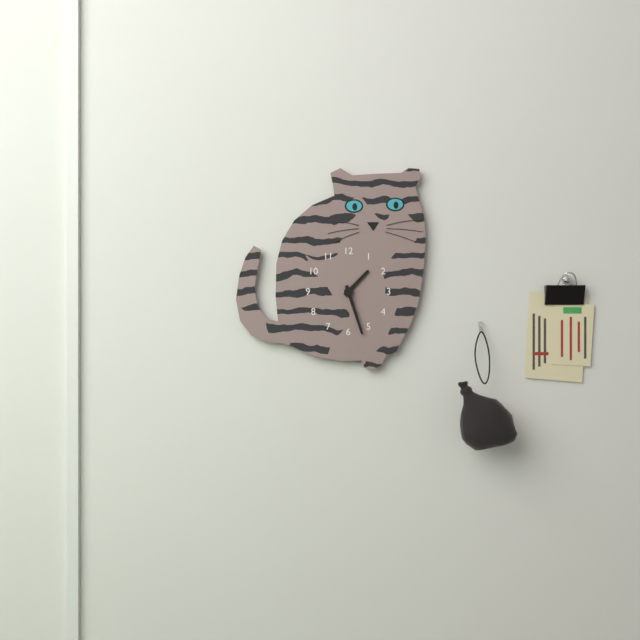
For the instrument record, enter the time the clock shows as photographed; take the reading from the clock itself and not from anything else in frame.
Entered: 1:27
